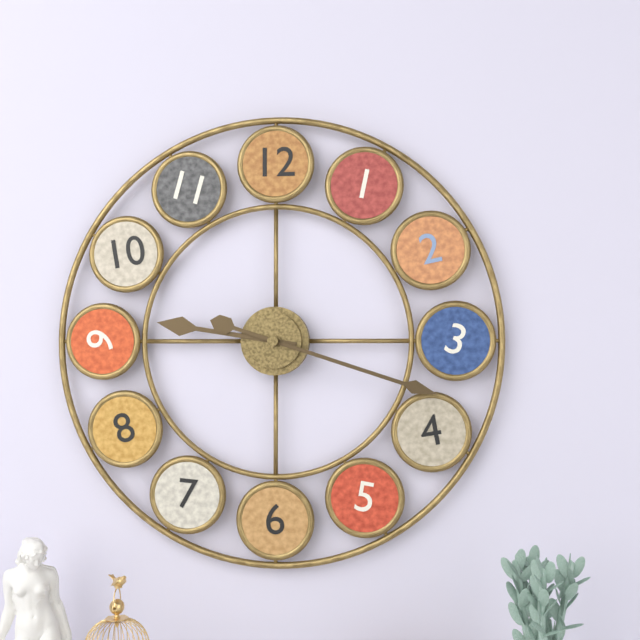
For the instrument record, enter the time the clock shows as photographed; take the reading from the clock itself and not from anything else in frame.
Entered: 9:18
